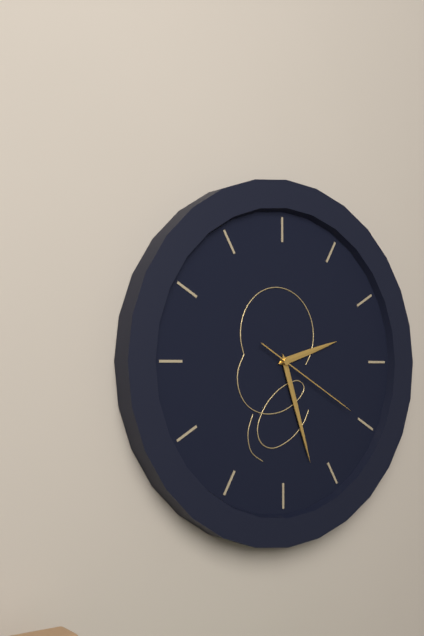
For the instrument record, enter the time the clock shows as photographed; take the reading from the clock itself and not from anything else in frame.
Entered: 2:27:20
